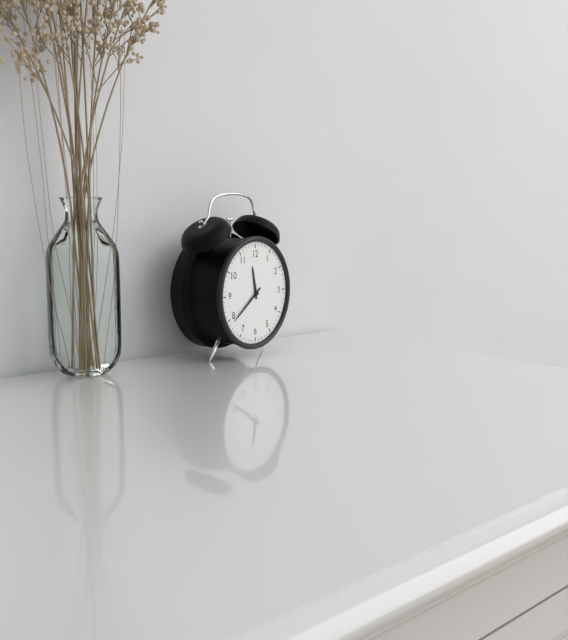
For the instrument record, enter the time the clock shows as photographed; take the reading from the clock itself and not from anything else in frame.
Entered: 11:39
